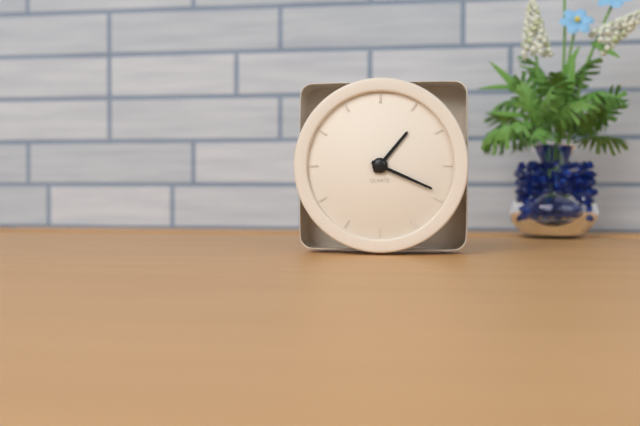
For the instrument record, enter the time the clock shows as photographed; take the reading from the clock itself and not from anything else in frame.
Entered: 1:19
